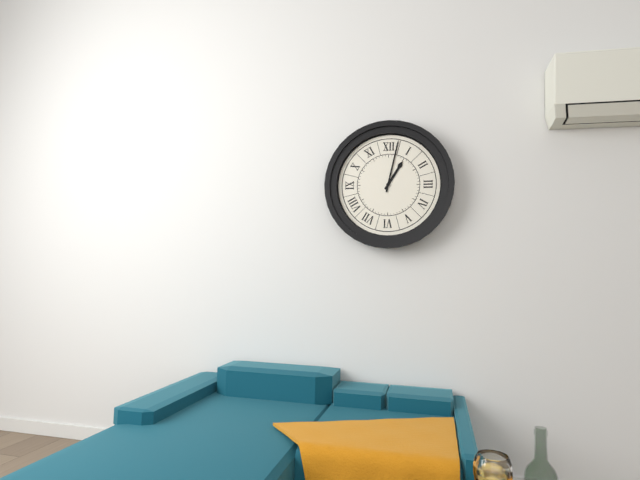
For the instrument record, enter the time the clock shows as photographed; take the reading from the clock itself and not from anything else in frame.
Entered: 1:02
